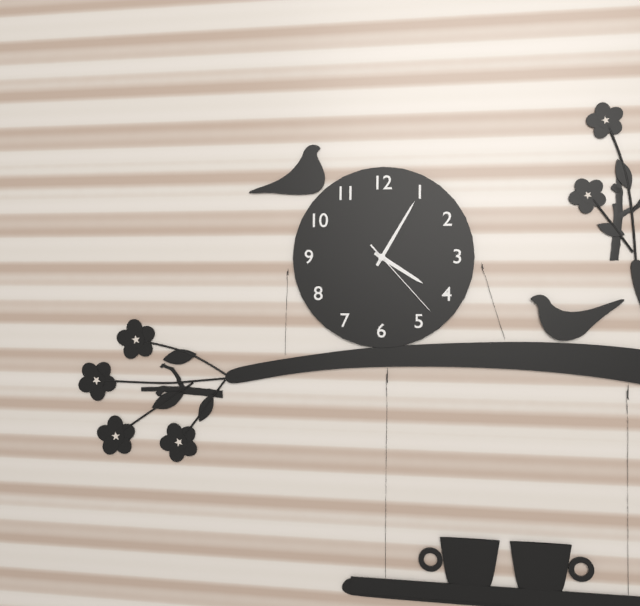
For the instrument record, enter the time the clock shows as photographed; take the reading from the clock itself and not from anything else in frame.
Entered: 4:05:23
